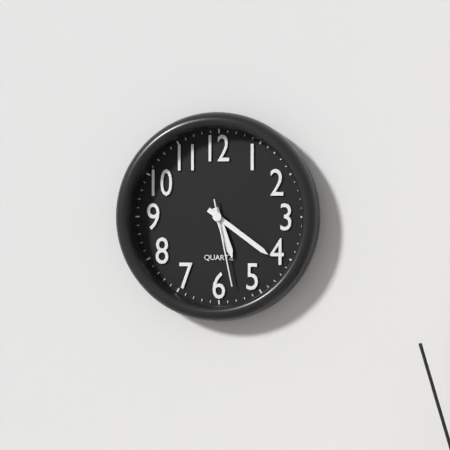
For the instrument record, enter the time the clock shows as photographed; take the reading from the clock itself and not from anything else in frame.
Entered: 5:21:28
